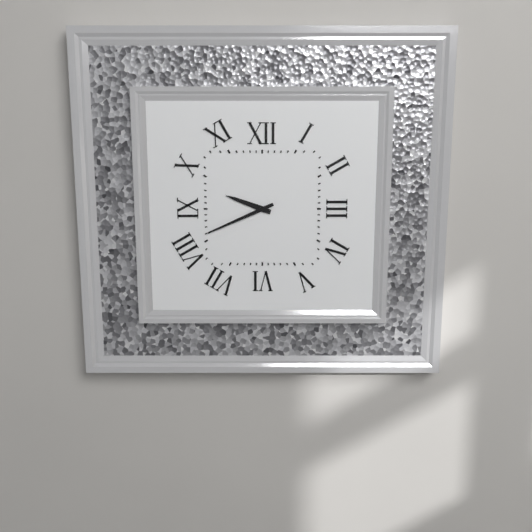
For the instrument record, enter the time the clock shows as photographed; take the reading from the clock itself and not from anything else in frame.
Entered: 9:41
